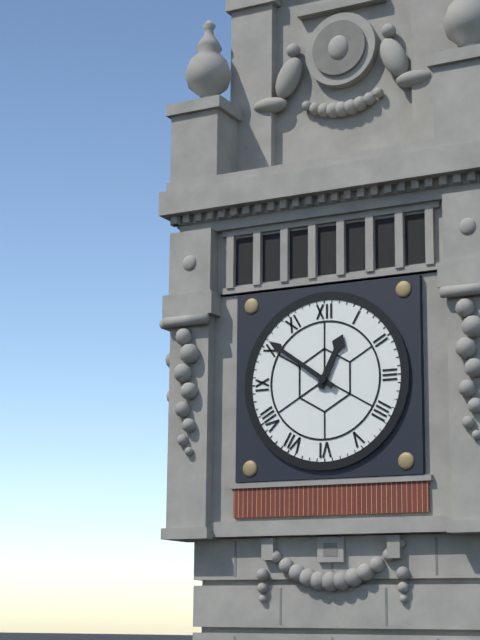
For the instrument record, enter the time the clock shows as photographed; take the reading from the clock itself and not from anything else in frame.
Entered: 12:51
